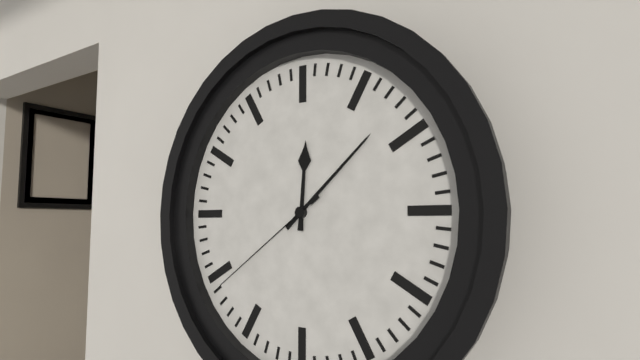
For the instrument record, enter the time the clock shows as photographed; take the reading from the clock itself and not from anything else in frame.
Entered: 12:08:39
